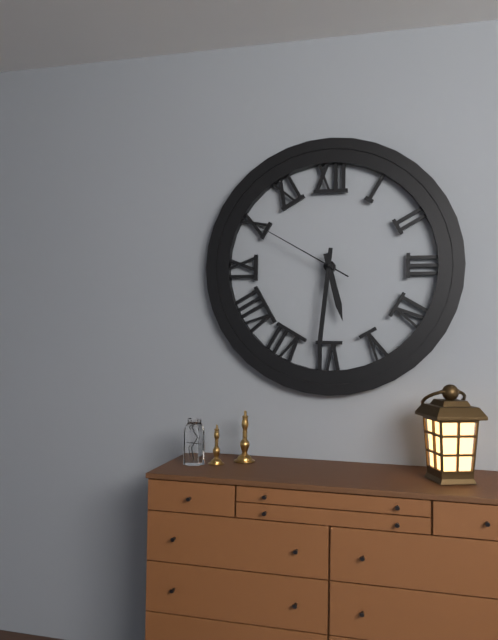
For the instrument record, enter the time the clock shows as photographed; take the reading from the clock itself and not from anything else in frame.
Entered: 5:31:50
